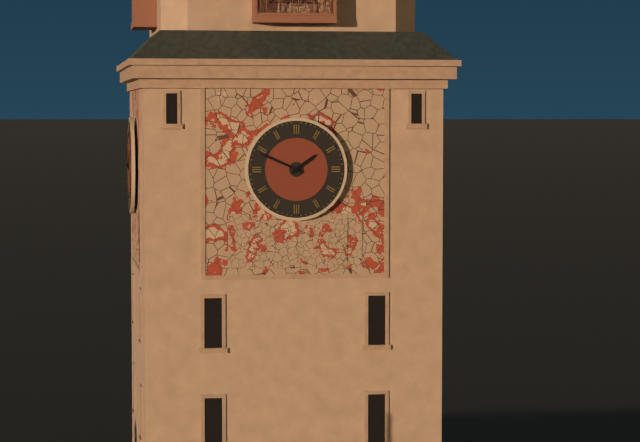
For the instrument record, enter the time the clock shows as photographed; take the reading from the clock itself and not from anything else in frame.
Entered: 1:49
